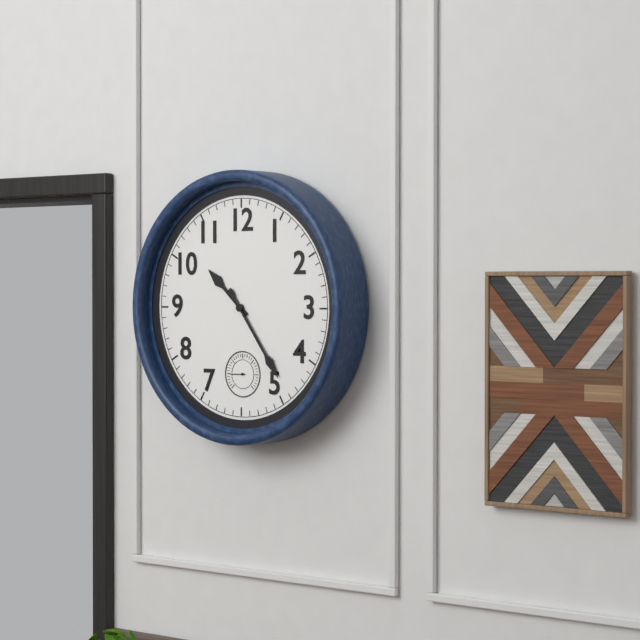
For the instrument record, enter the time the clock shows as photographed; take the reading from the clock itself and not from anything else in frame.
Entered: 10:24
